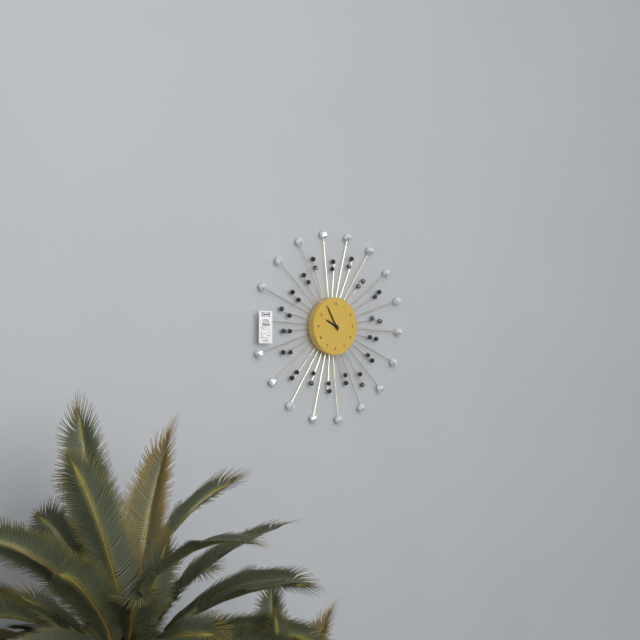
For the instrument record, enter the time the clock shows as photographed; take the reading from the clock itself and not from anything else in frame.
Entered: 9:55
